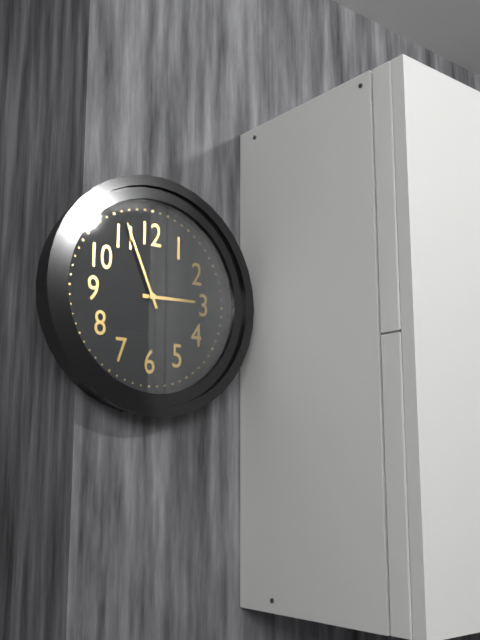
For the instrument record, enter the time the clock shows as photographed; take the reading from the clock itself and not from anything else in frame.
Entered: 2:56
